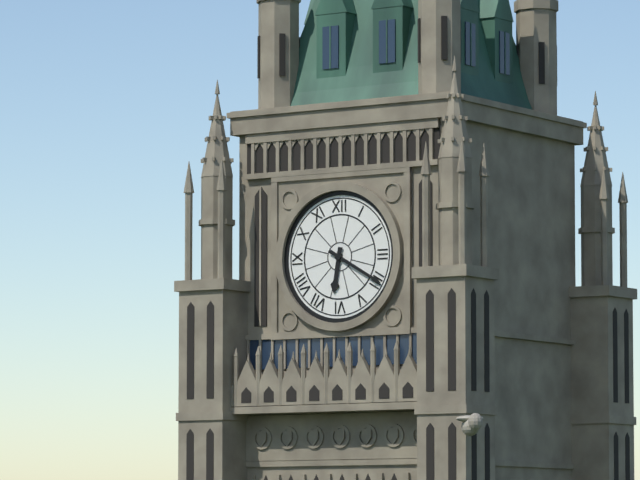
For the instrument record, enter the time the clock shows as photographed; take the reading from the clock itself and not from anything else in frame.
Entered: 6:20
